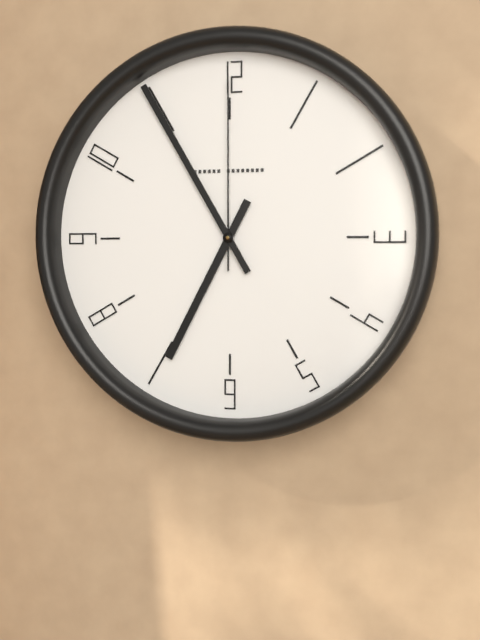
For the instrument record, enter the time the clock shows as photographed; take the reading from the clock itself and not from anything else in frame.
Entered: 6:55:00
